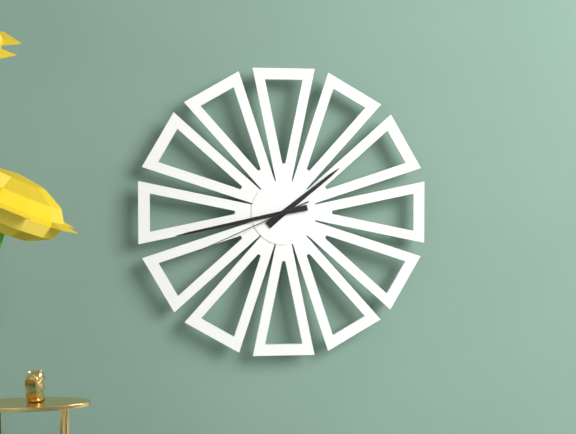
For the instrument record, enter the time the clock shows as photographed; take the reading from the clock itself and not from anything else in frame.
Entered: 1:43:41
